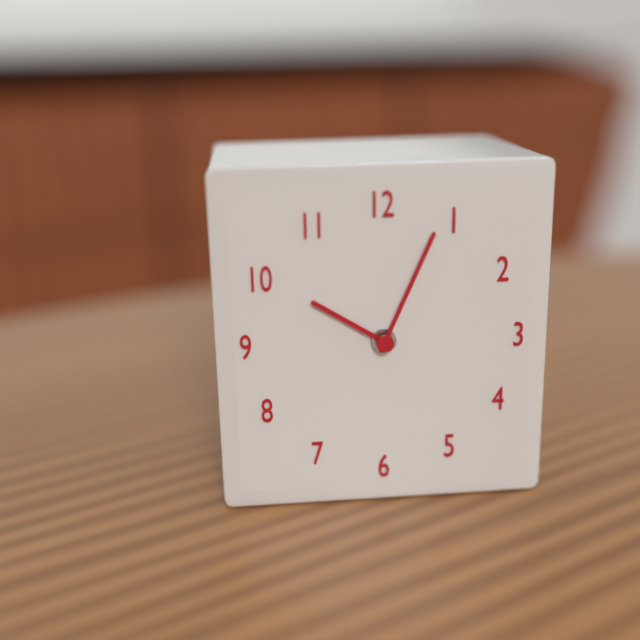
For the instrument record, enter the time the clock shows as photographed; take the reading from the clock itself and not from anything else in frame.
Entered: 10:04
